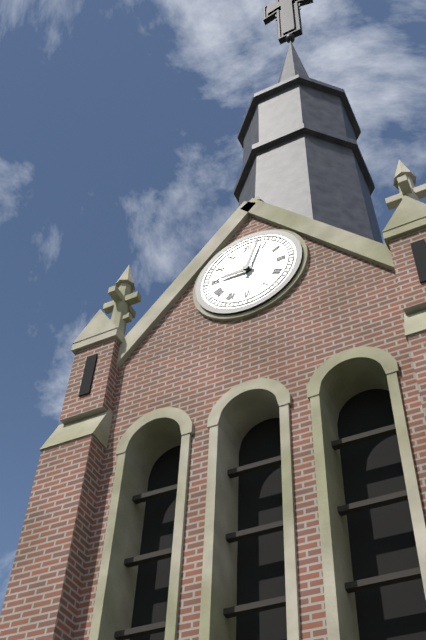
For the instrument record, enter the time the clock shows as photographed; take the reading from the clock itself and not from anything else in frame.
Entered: 9:03
